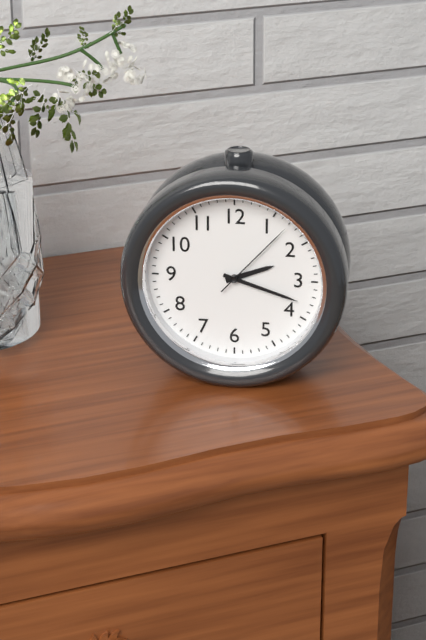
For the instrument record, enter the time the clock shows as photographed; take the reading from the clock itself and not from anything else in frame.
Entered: 2:18:07
